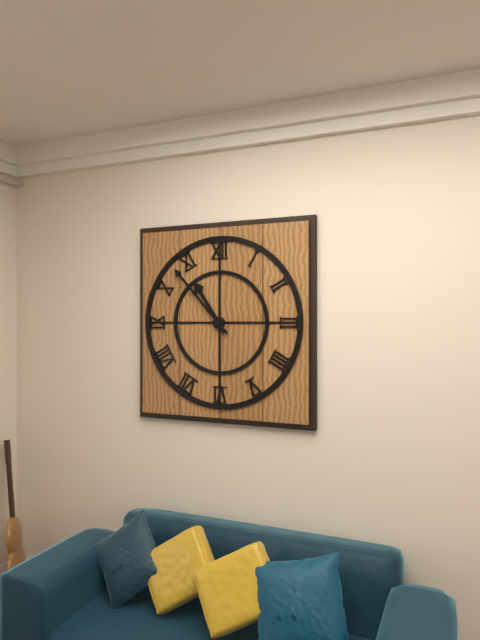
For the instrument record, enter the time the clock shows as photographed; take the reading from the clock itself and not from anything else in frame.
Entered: 10:53
